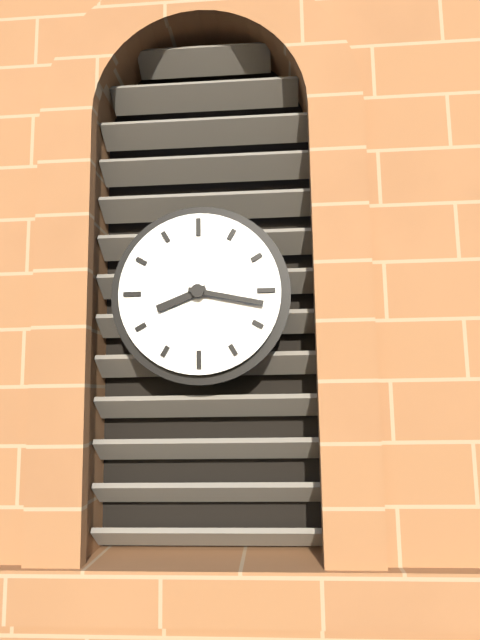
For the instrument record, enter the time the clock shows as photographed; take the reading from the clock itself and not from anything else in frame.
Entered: 8:17
